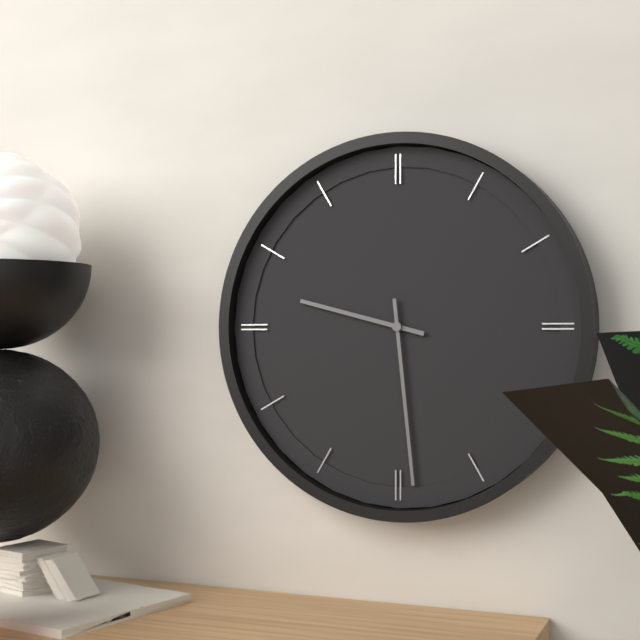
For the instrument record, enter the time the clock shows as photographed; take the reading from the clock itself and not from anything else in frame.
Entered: 9:29
